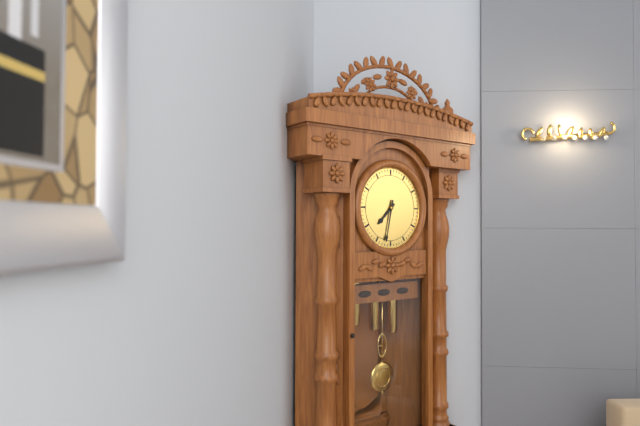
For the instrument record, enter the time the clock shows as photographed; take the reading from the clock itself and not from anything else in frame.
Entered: 7:32
